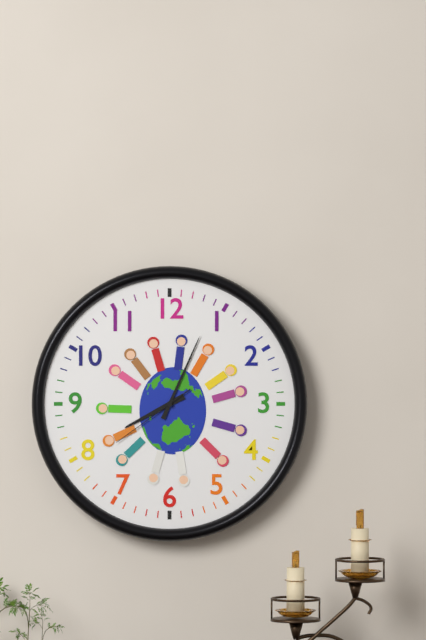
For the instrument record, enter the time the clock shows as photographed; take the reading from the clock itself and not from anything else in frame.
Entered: 8:04:39
